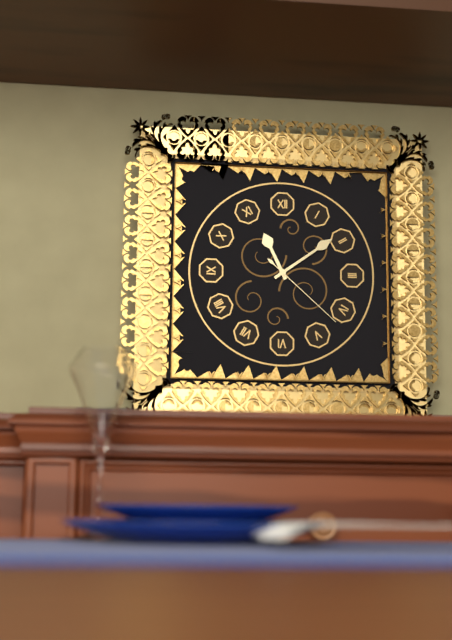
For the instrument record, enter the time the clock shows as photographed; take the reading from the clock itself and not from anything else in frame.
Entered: 11:09:22
